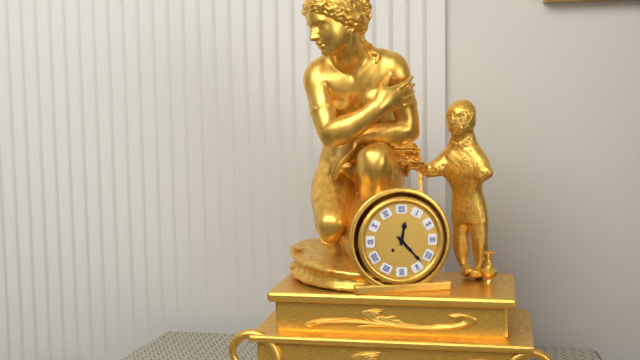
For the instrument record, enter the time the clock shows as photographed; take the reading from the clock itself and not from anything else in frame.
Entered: 12:23
